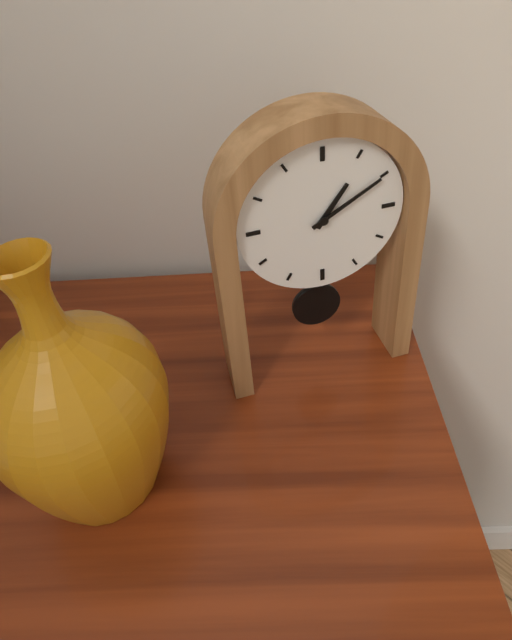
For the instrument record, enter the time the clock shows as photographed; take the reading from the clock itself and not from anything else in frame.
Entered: 1:10
